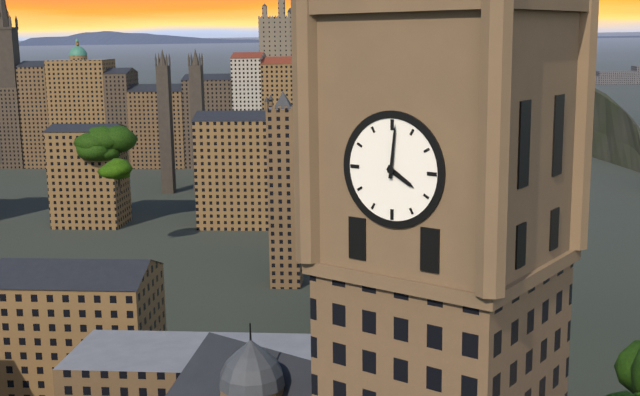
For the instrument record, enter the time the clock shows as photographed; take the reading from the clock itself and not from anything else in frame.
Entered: 4:01
